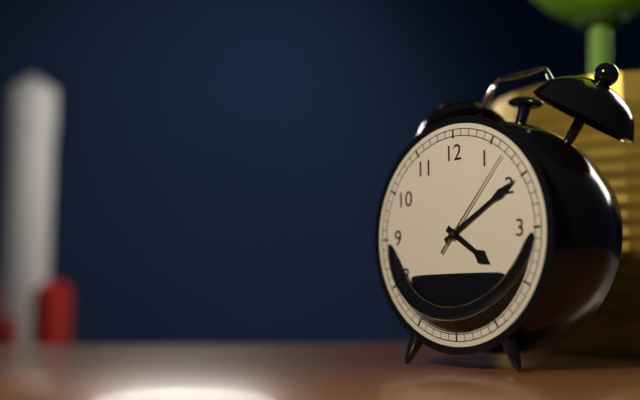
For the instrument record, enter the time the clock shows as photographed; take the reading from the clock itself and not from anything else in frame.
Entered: 4:10:07
